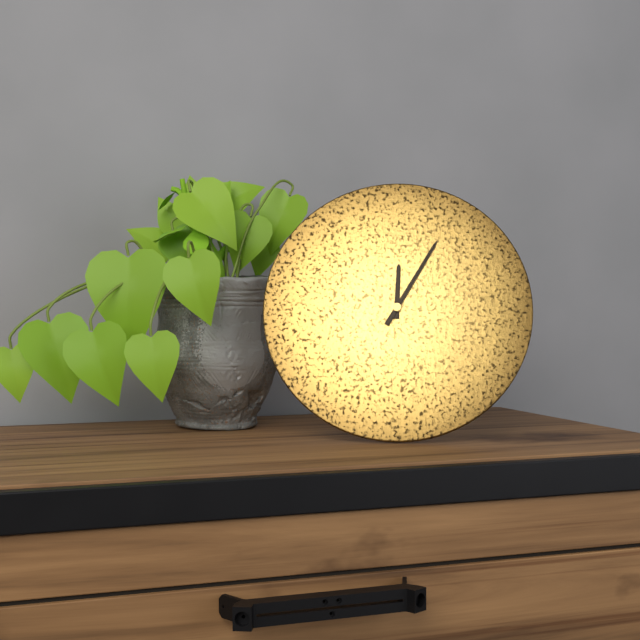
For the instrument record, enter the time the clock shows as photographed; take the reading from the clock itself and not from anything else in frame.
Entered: 12:05
